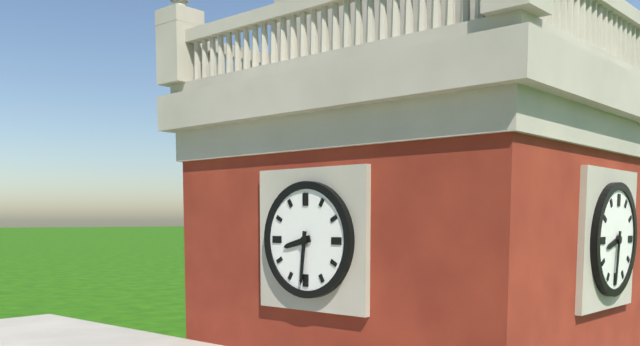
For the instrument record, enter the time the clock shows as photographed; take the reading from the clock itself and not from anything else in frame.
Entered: 8:31
